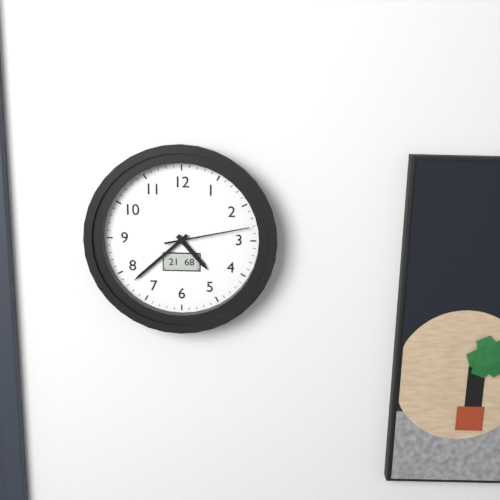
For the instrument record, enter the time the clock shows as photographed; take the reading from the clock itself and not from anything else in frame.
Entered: 4:38:13
